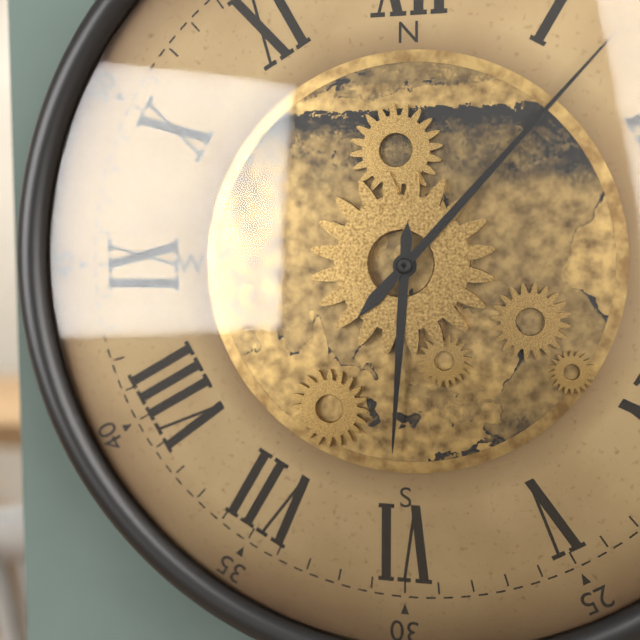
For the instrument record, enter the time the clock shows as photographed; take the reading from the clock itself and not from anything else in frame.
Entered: 6:07
